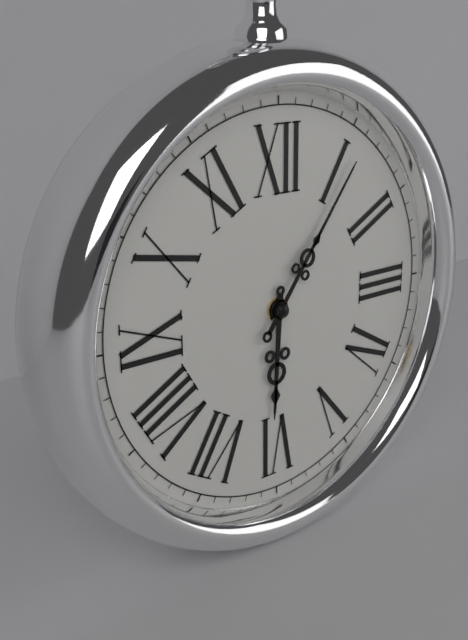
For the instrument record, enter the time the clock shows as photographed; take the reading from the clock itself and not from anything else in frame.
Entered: 6:06
